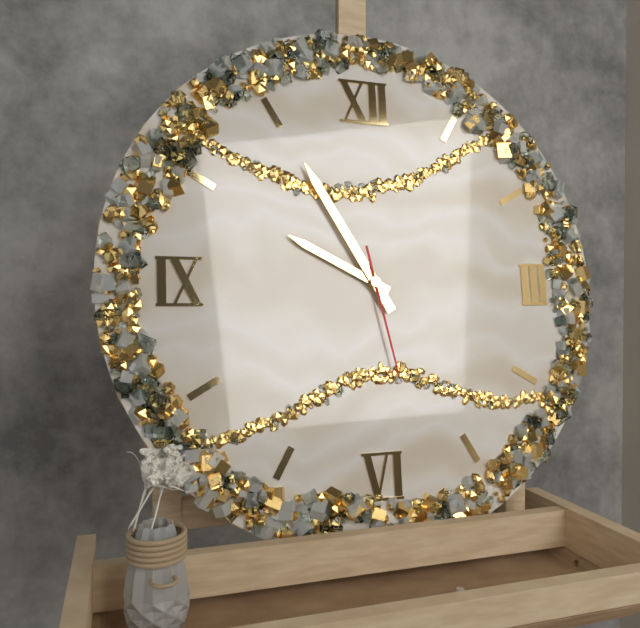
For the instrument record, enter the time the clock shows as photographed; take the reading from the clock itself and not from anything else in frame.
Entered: 9:55:28
